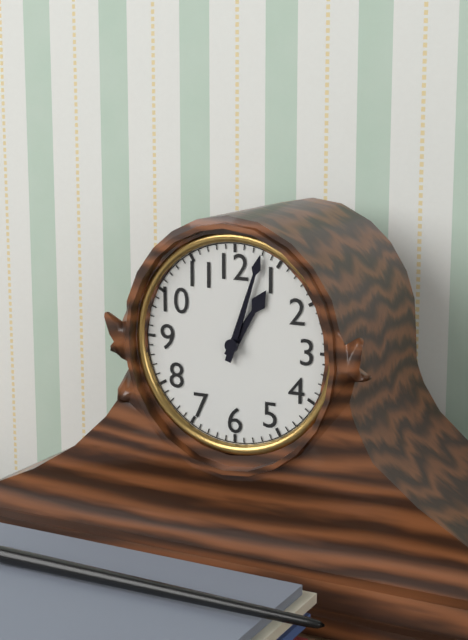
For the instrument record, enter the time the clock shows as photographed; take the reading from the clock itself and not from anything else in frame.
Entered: 1:03
